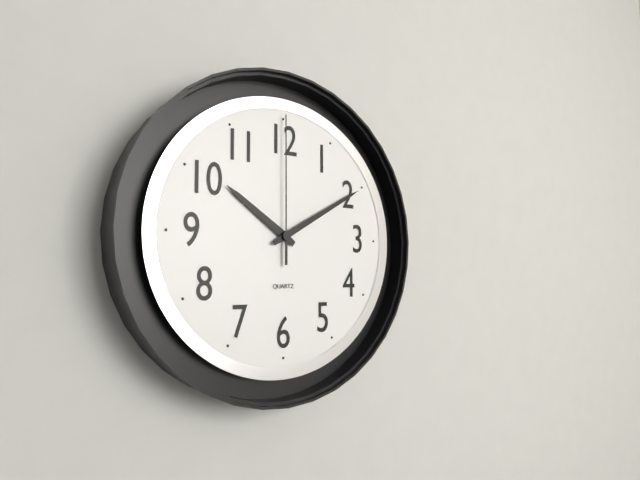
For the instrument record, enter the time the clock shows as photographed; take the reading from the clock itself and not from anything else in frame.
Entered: 10:10:00
